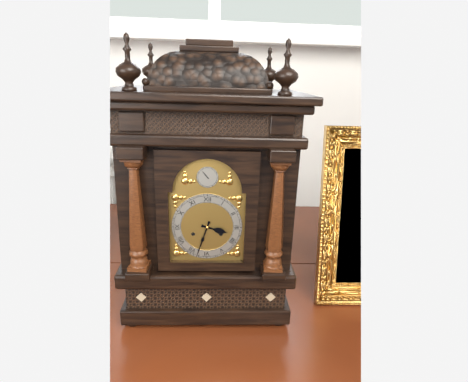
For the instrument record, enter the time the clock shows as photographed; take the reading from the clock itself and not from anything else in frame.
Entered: 3:33
